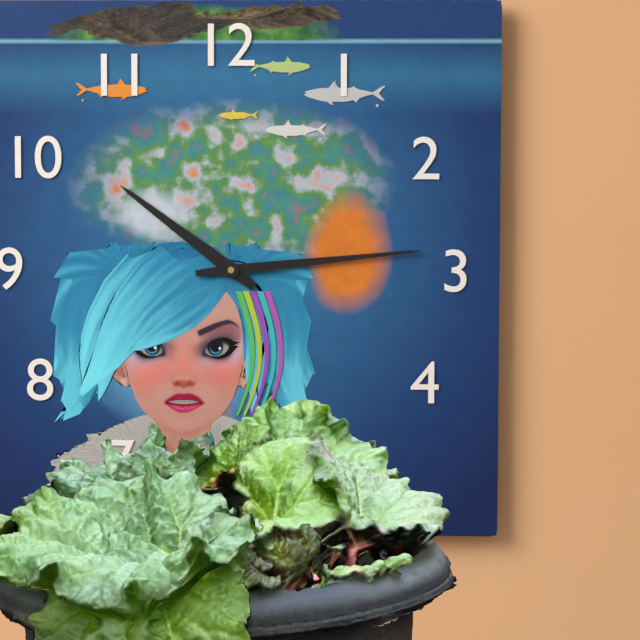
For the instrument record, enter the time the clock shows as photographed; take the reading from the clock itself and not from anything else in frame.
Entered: 10:14
